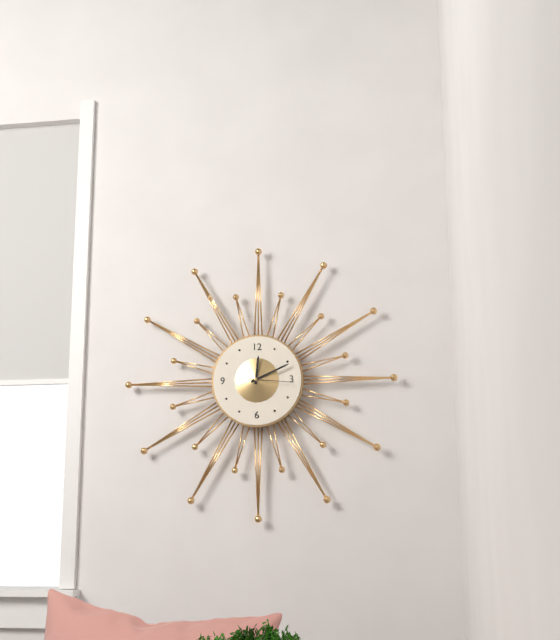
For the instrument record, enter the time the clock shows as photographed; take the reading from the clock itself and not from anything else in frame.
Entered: 12:11
